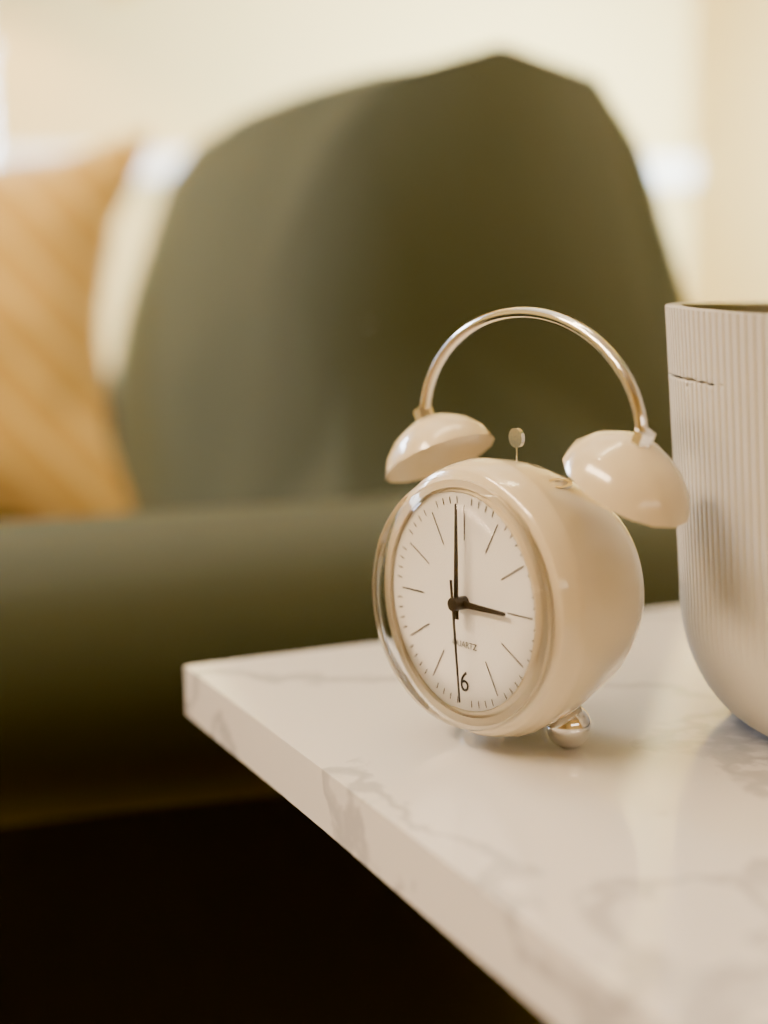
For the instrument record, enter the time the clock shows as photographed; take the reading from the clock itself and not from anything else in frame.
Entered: 3:00:29
